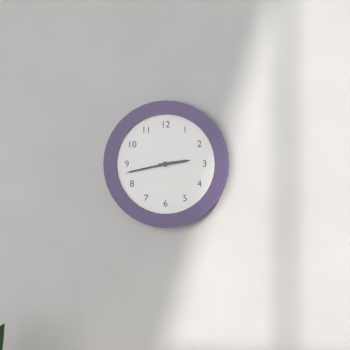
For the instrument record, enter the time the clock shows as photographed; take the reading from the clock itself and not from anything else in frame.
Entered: 2:43
